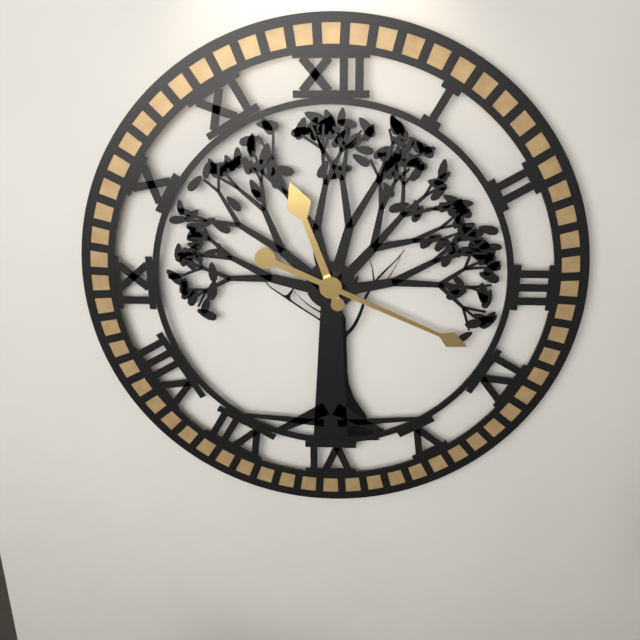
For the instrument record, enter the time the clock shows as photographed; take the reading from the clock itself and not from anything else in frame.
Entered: 11:19
